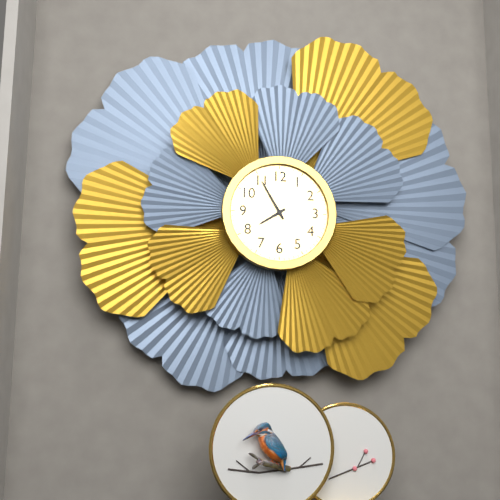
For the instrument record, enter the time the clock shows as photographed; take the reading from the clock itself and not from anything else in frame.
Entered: 7:55
